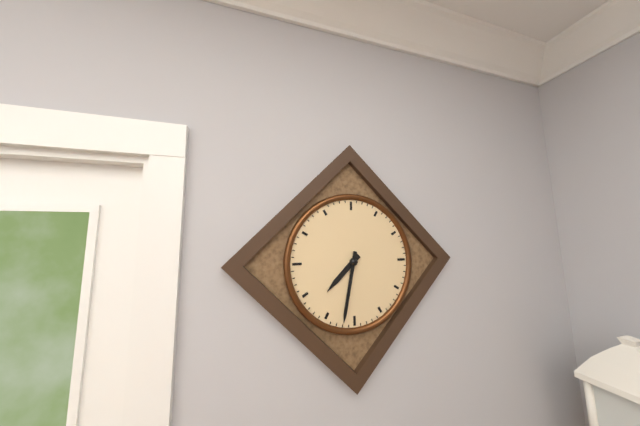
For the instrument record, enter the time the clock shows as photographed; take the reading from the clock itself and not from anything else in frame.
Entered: 7:32
